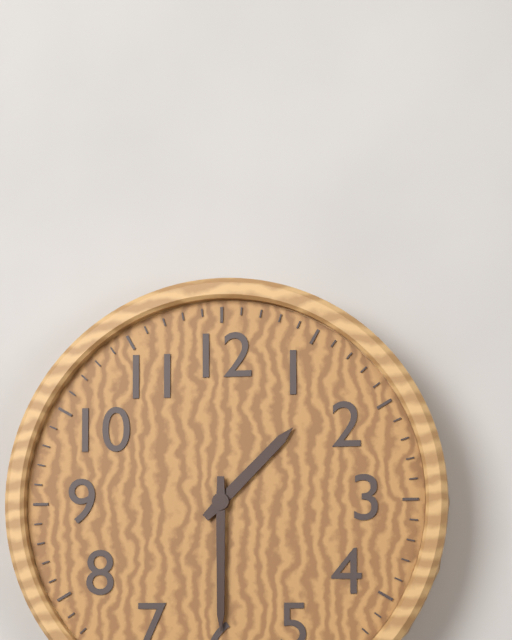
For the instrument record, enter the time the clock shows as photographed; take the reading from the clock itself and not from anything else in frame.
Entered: 1:30
